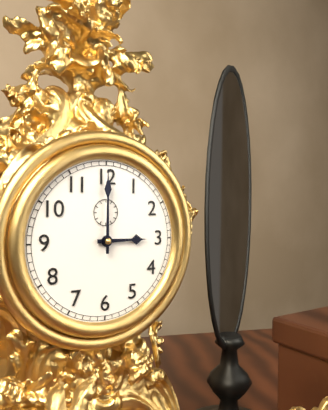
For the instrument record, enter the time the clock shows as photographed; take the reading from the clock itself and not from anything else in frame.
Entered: 3:00
